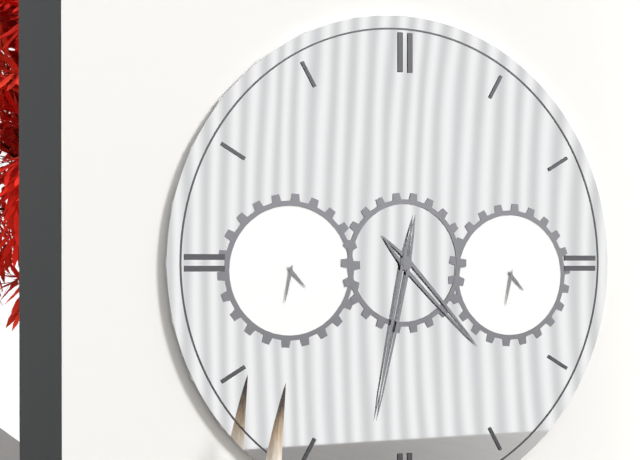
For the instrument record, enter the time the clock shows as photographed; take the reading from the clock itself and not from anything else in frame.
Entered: 4:32
